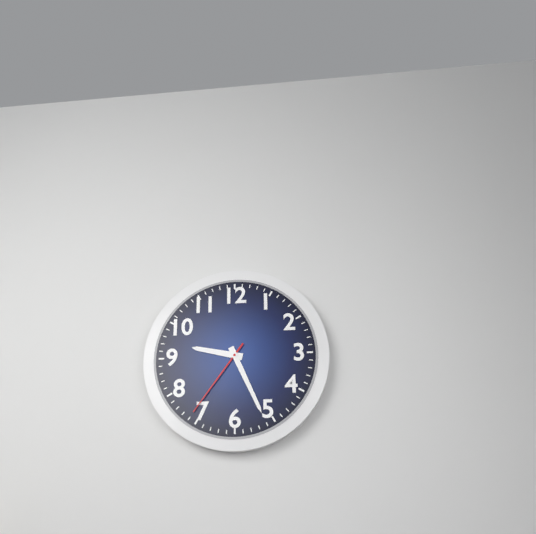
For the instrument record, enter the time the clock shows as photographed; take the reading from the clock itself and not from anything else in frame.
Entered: 9:26:36
